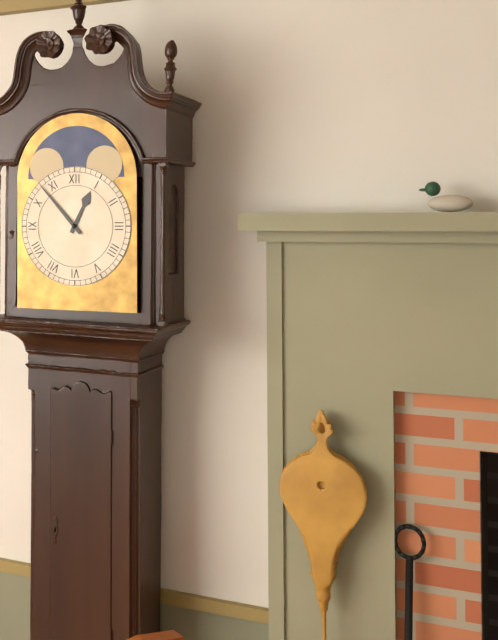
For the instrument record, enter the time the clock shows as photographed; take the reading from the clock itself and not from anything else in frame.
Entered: 12:53
